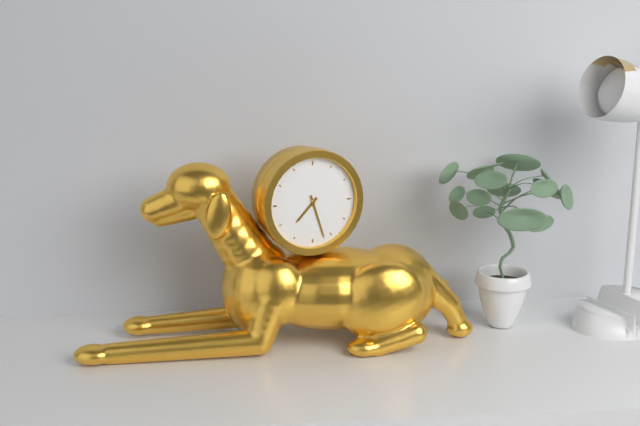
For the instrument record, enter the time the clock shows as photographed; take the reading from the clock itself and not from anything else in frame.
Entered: 7:27
